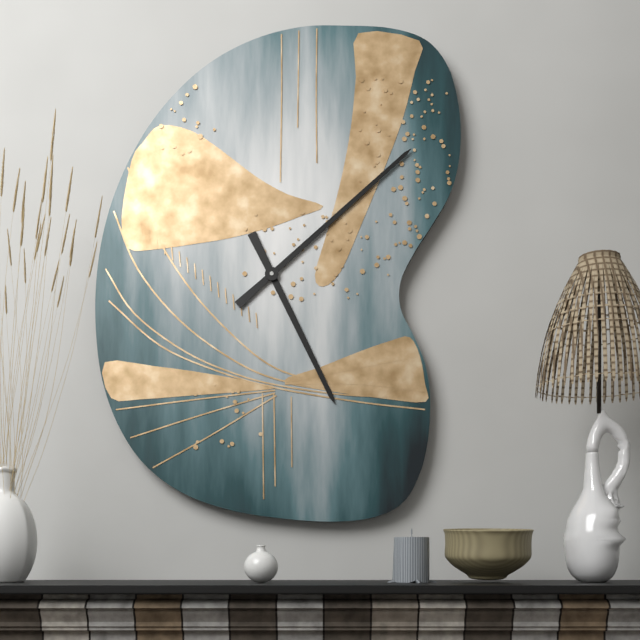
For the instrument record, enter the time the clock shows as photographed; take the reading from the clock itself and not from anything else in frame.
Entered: 5:08
